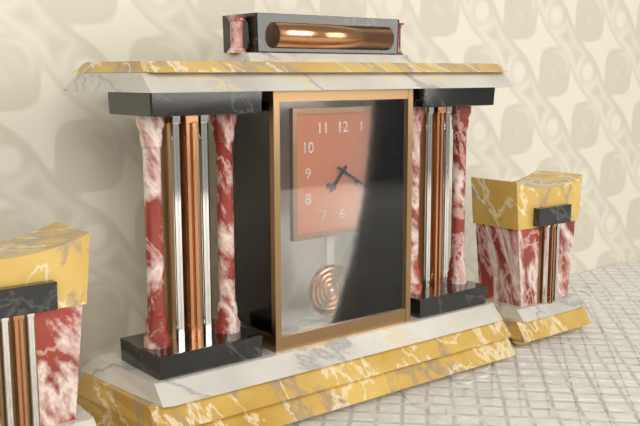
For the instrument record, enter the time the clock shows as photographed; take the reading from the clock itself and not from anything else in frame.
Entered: 7:20
